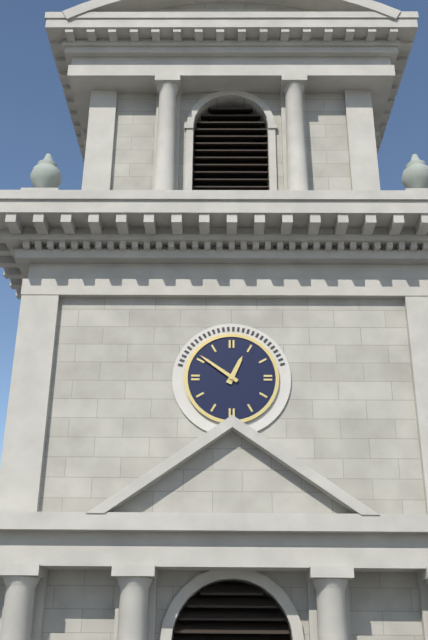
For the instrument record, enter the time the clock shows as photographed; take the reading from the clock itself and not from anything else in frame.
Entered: 12:51
